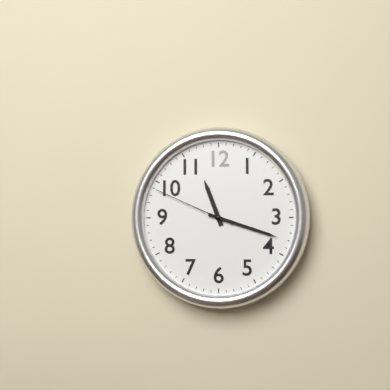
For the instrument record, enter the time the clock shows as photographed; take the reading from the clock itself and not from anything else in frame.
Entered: 11:18:49
